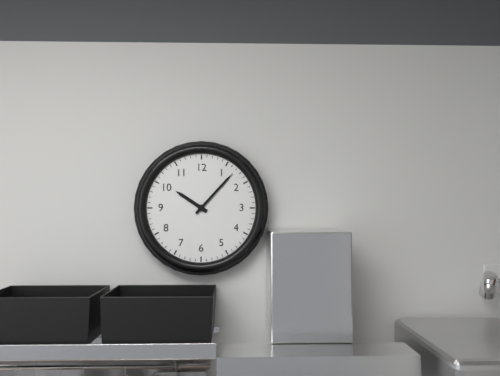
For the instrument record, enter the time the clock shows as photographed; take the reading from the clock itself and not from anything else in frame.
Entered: 10:07
